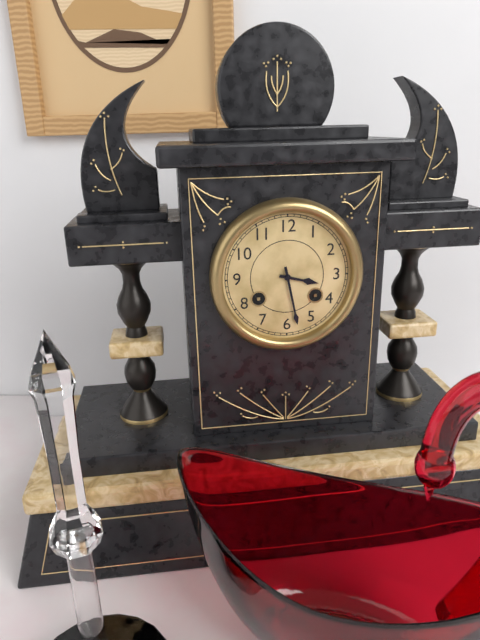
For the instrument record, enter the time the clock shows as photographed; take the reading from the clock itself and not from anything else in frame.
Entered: 3:28
